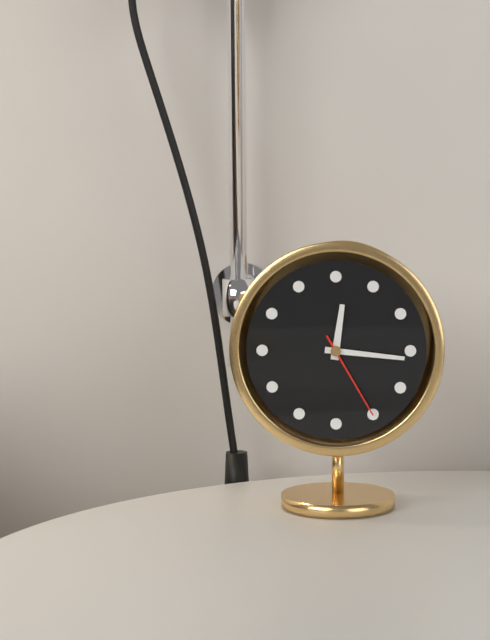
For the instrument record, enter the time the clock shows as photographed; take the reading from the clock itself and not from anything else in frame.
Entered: 12:16:25
